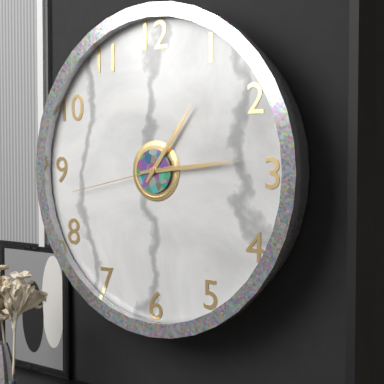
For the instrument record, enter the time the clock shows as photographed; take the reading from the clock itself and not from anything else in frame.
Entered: 1:14:43
